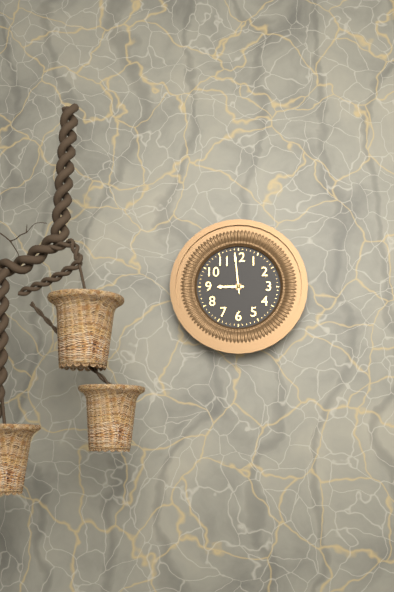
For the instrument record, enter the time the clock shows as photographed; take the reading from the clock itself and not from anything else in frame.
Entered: 8:59
